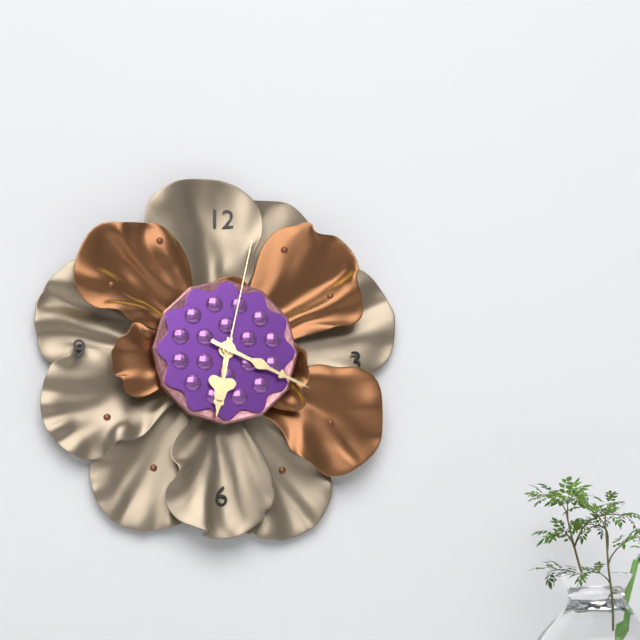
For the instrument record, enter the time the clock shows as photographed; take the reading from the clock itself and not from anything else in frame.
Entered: 6:19:02
